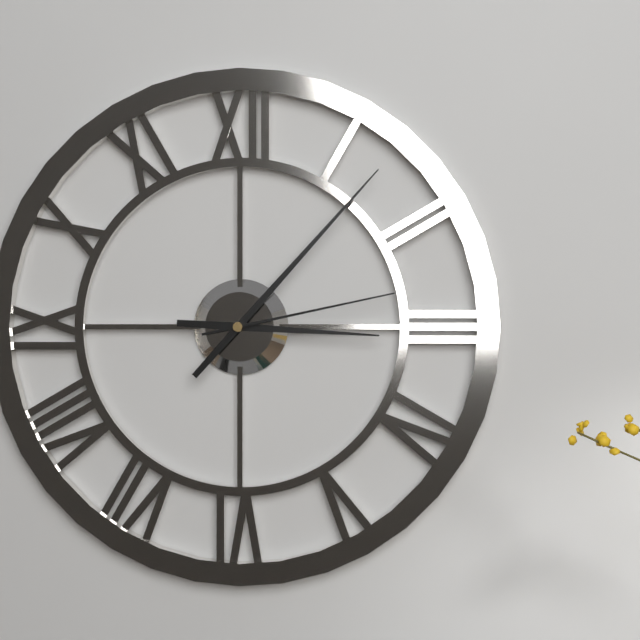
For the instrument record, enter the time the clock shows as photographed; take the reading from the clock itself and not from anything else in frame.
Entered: 3:07:13
